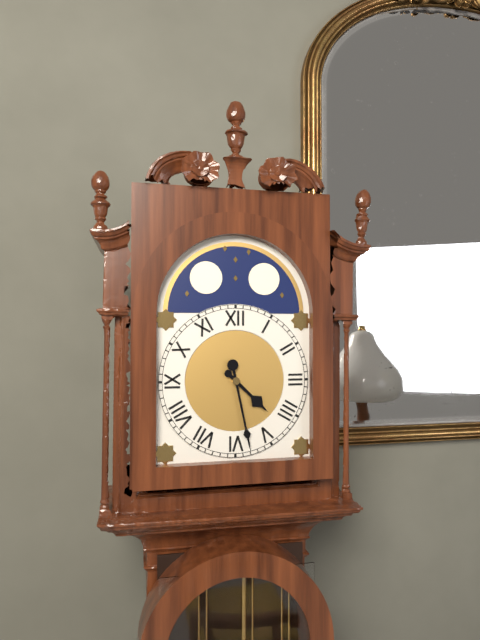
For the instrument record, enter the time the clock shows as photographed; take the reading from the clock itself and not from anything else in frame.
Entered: 4:28
